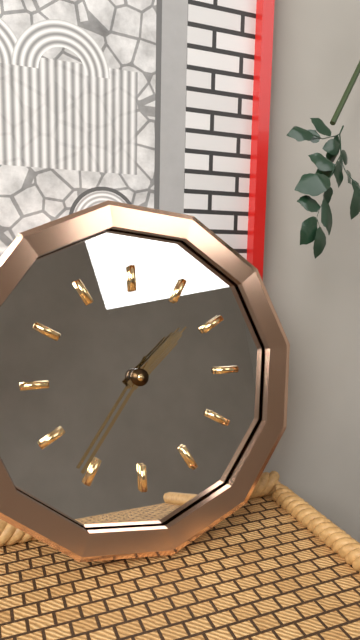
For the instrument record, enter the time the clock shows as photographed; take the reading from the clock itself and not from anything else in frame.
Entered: 1:36
